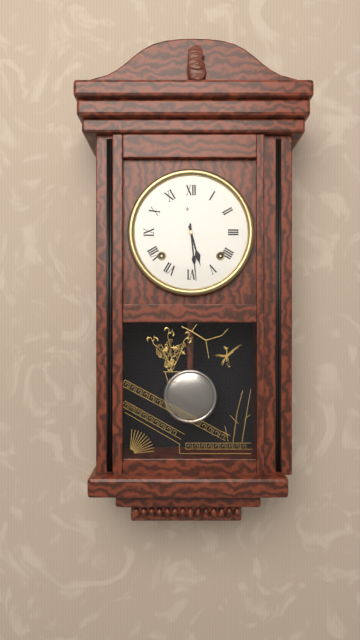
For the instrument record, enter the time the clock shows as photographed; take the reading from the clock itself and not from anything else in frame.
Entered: 5:29
